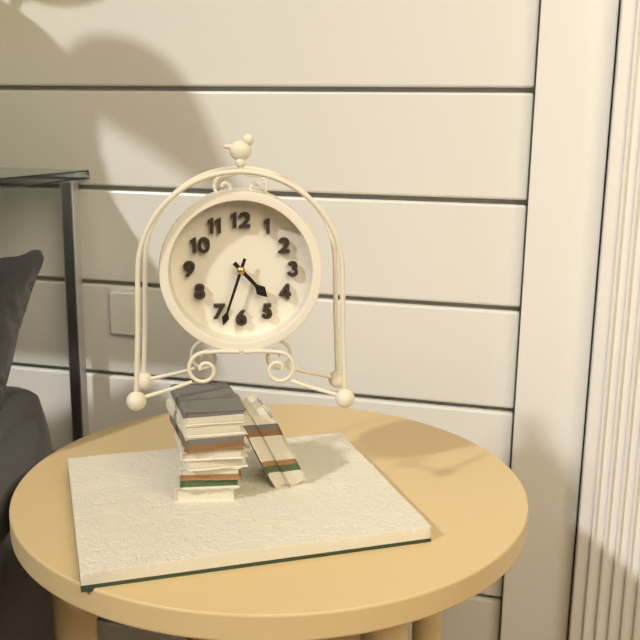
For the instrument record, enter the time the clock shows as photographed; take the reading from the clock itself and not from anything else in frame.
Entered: 4:33
